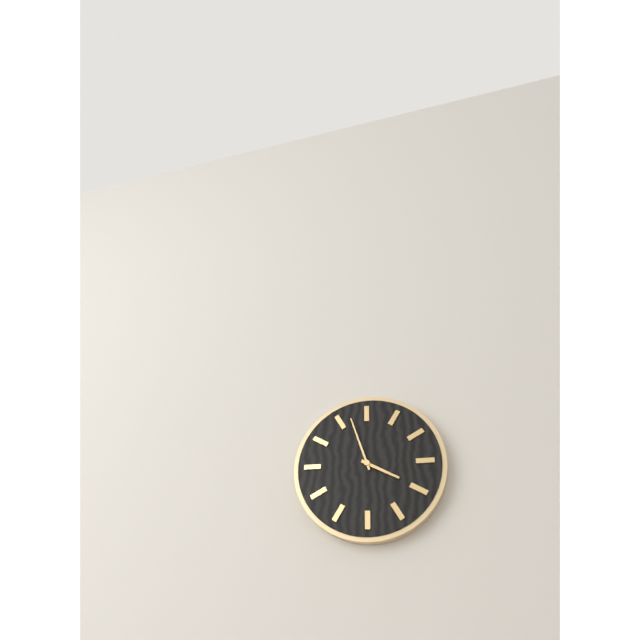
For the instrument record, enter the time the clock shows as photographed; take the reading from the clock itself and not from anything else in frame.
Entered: 3:57
